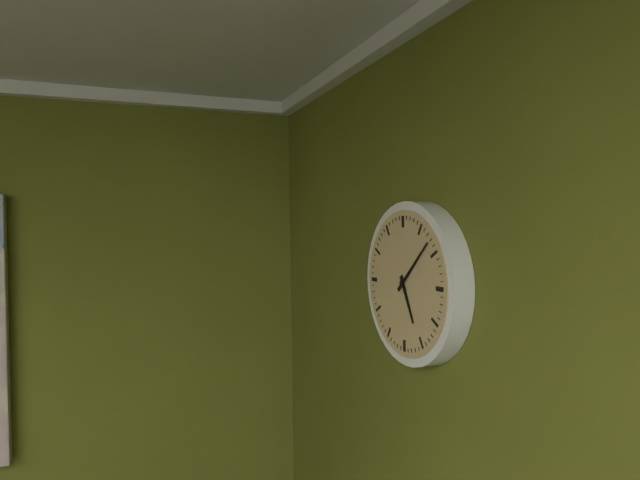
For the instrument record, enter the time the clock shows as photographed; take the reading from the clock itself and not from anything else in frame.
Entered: 5:08
